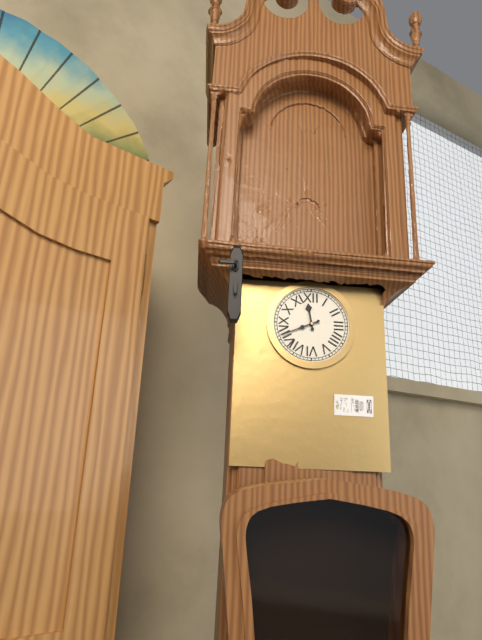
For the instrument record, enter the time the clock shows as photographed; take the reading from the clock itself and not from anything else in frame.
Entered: 11:41
